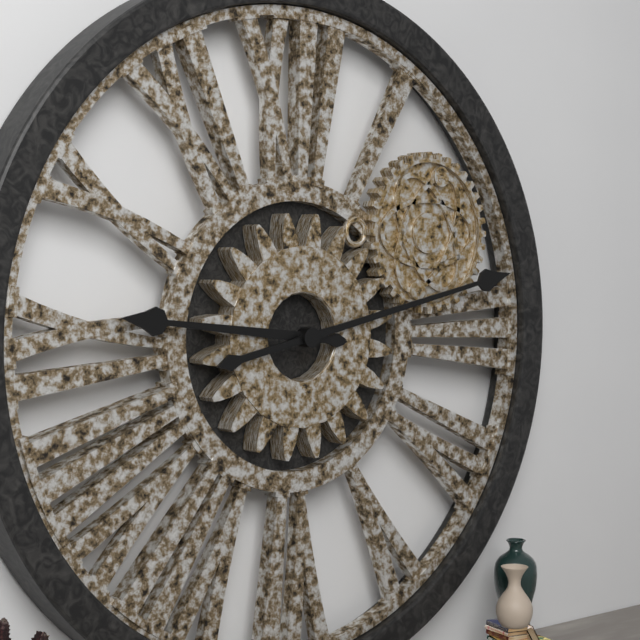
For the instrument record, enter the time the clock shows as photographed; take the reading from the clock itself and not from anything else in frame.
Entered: 9:13
